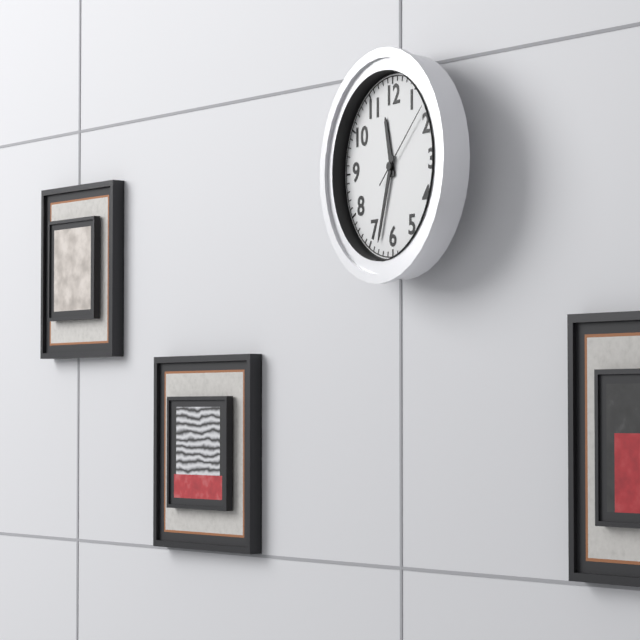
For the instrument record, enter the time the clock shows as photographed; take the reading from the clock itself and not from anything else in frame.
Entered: 11:33:08
